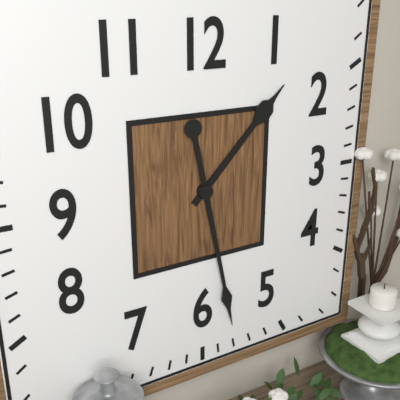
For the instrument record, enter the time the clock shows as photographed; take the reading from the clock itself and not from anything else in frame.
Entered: 1:28
